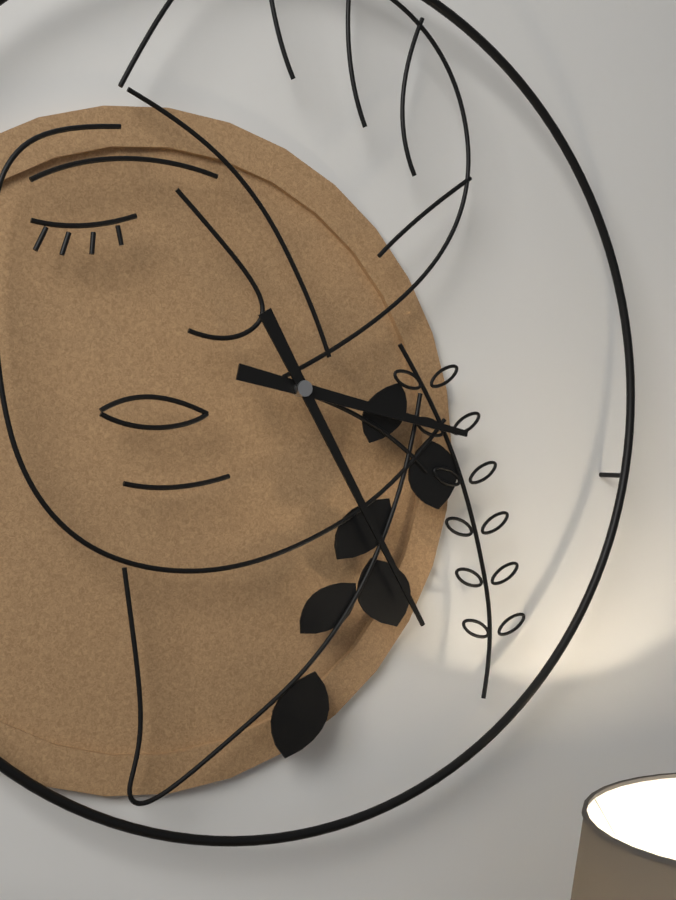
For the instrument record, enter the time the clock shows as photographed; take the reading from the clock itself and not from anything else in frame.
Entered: 3:25
